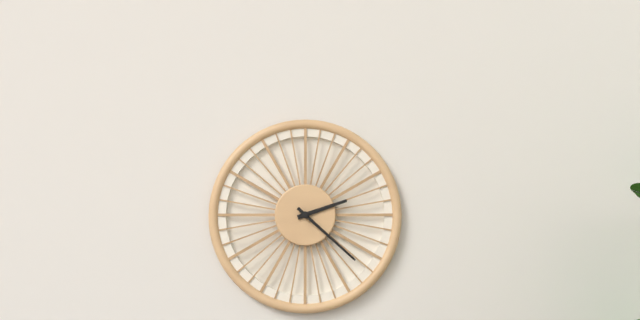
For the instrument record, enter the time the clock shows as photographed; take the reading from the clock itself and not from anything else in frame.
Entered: 2:22
